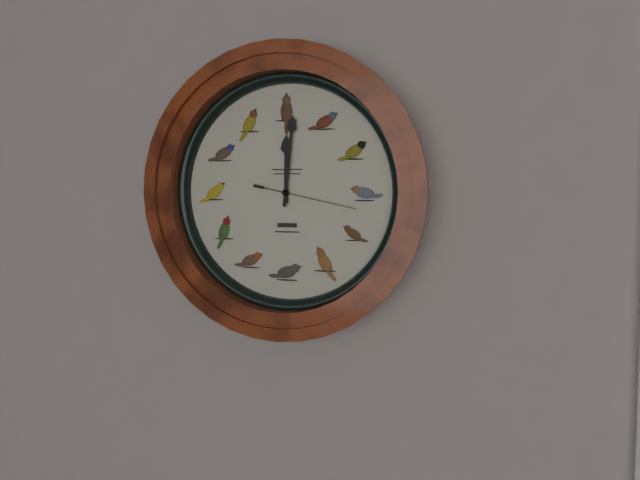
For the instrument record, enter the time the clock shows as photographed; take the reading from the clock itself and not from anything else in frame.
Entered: 12:01:17
